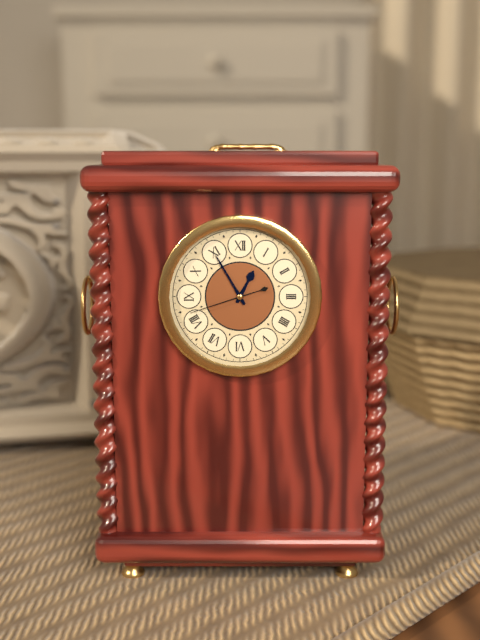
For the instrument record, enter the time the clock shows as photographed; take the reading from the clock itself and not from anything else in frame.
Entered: 12:55:42
